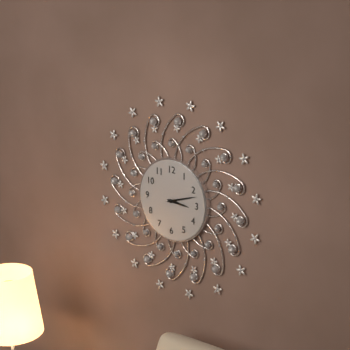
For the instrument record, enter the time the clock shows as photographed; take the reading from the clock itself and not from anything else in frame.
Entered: 3:12
